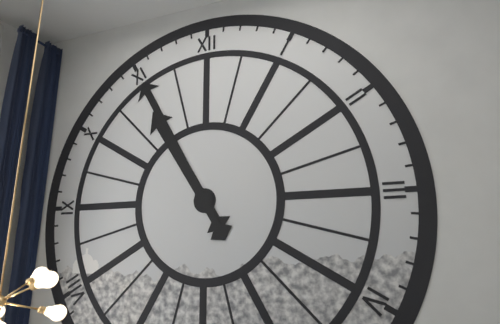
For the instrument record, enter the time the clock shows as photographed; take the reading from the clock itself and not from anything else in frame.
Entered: 10:55
